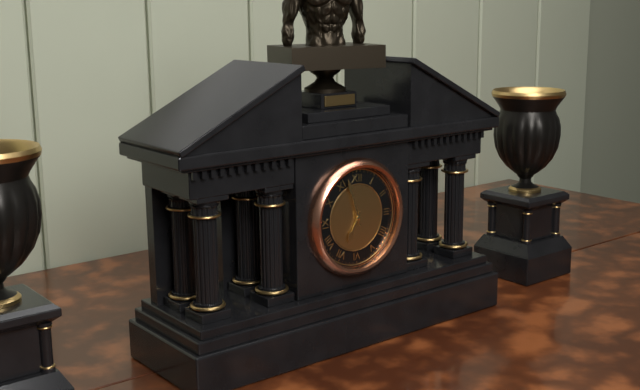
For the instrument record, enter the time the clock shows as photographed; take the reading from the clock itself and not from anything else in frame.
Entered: 6:57
